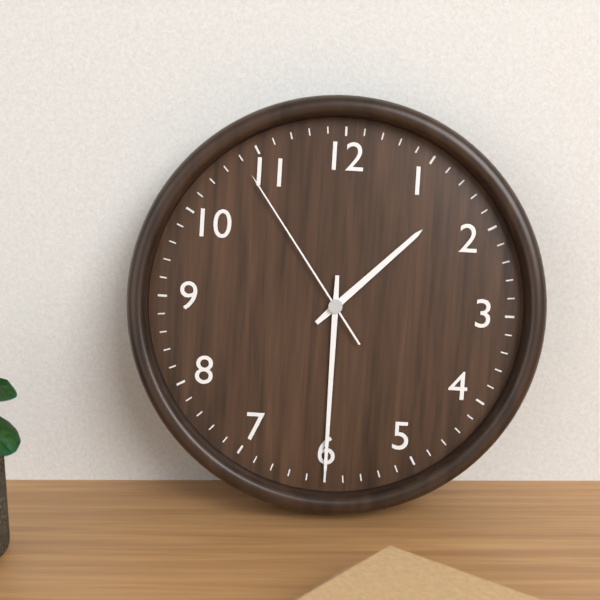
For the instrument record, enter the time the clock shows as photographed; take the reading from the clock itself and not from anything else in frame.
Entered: 1:30:54
